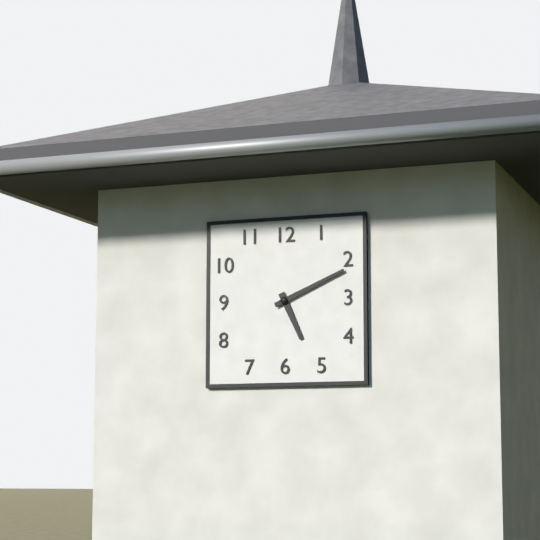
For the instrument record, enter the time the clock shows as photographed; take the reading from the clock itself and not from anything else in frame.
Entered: 5:11
